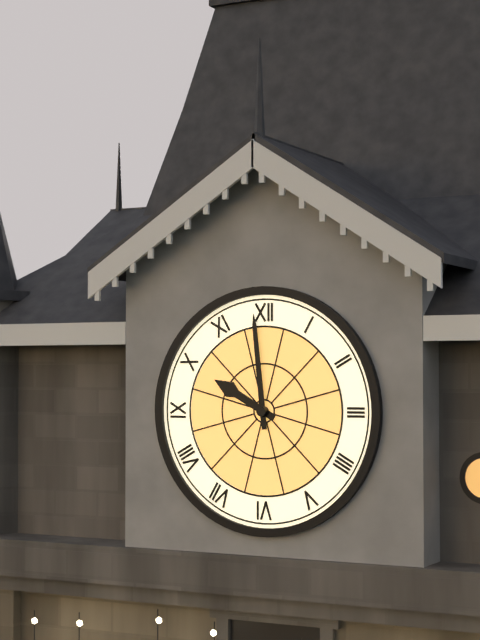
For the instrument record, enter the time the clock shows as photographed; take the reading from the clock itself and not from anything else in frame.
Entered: 9:59
